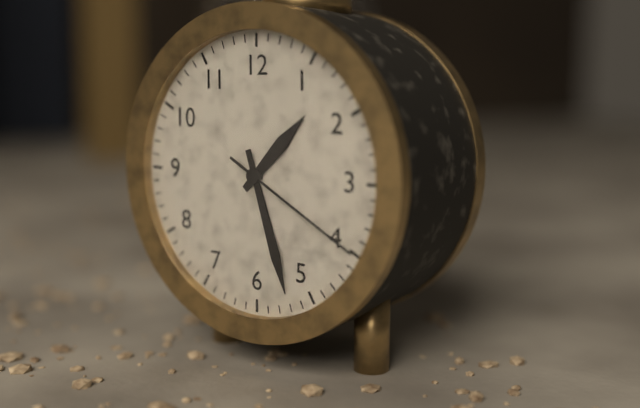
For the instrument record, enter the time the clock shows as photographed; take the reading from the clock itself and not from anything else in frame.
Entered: 1:27:20
